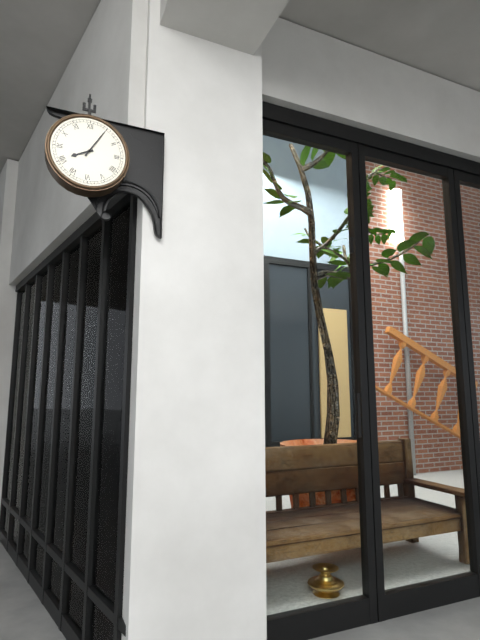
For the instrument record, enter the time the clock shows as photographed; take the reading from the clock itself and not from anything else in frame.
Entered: 8:05
